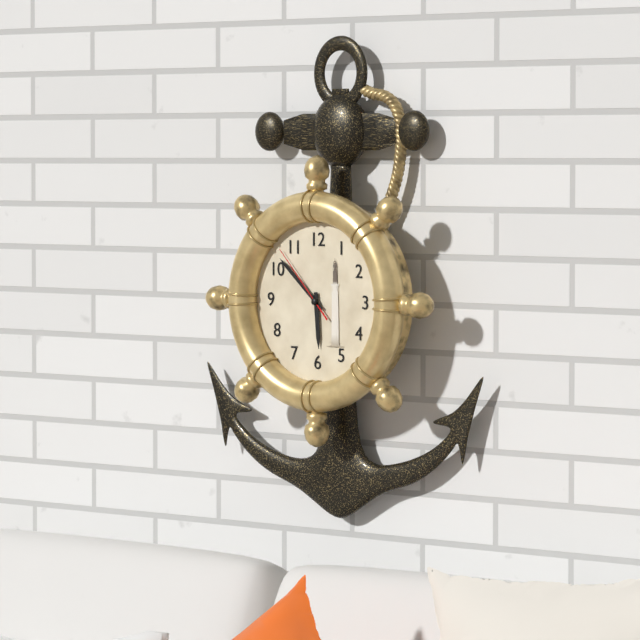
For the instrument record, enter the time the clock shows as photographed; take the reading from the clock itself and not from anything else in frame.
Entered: 5:52:53
